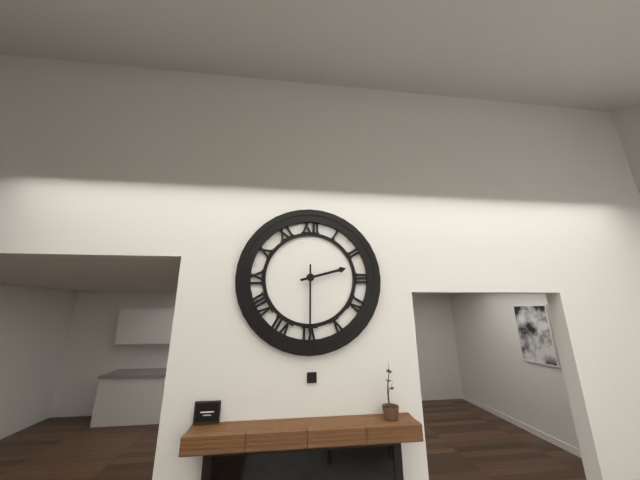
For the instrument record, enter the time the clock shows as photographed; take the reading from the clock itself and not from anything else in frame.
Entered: 2:30
